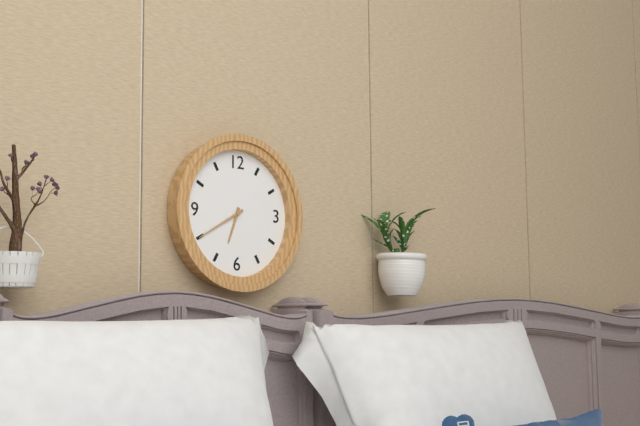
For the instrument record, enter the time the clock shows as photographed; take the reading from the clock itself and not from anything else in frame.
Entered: 6:40
